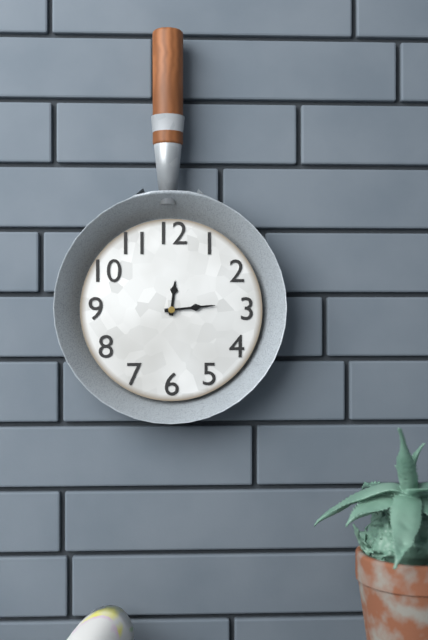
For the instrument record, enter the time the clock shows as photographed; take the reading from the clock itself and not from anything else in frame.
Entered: 12:14
